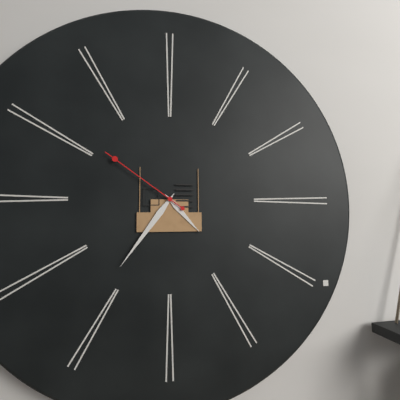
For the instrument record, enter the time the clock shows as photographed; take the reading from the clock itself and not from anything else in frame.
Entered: 4:36:51
